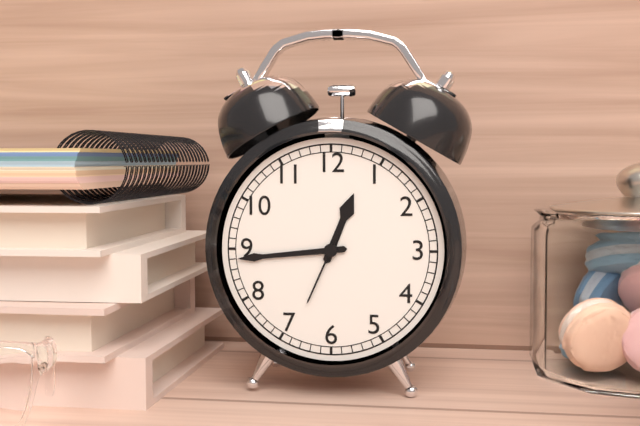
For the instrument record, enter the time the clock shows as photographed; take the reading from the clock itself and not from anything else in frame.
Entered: 12:44:34
